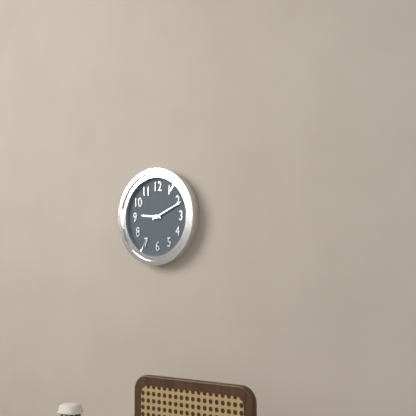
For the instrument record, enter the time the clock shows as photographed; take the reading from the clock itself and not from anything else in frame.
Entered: 9:11
